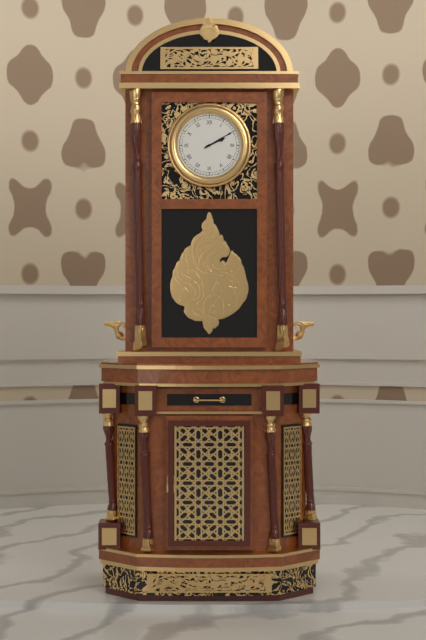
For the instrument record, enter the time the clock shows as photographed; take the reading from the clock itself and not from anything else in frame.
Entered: 2:10
